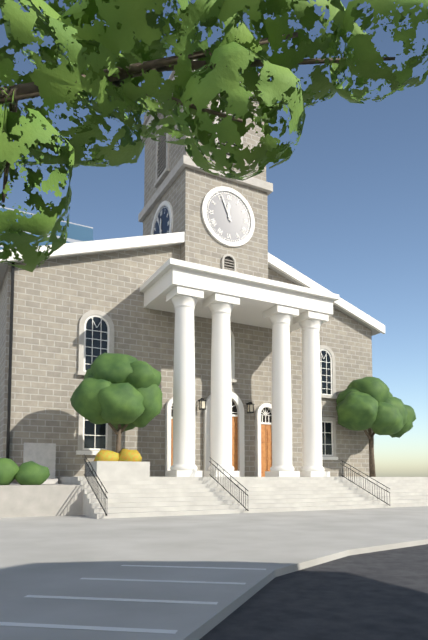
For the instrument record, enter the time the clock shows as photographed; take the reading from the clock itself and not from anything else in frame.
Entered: 11:56
